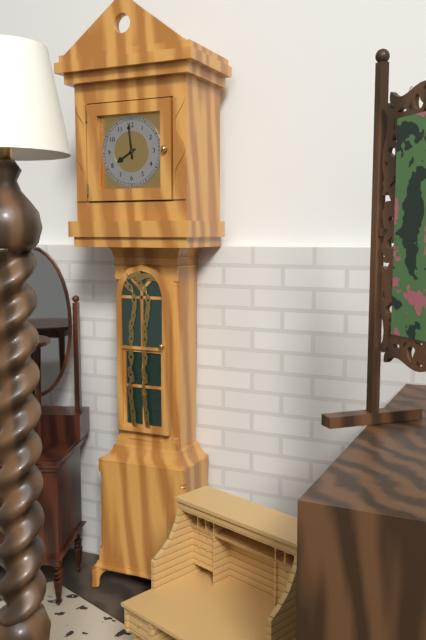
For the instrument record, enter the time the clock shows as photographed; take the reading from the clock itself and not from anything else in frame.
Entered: 7:59
